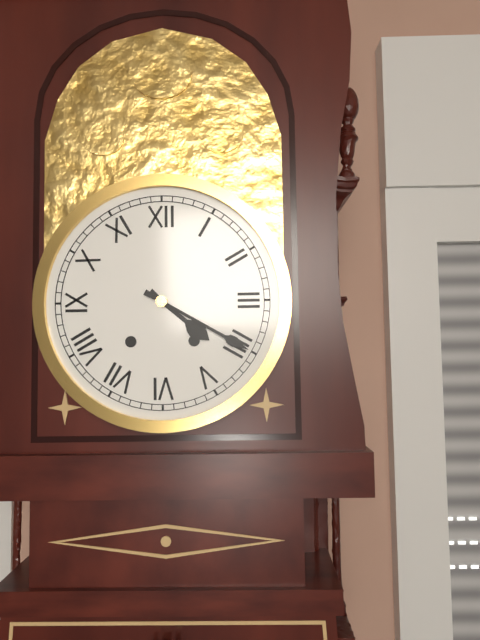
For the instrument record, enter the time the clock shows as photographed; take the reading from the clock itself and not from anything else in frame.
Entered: 4:20
